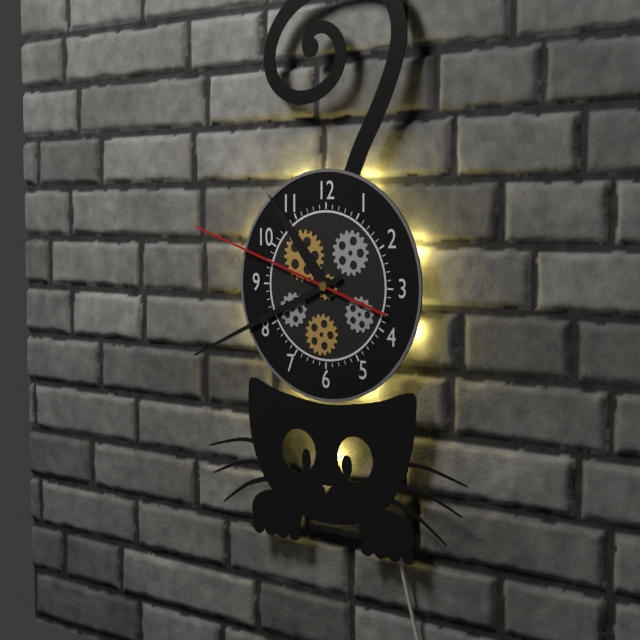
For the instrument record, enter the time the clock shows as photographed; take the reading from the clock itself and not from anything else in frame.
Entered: 10:41:48
